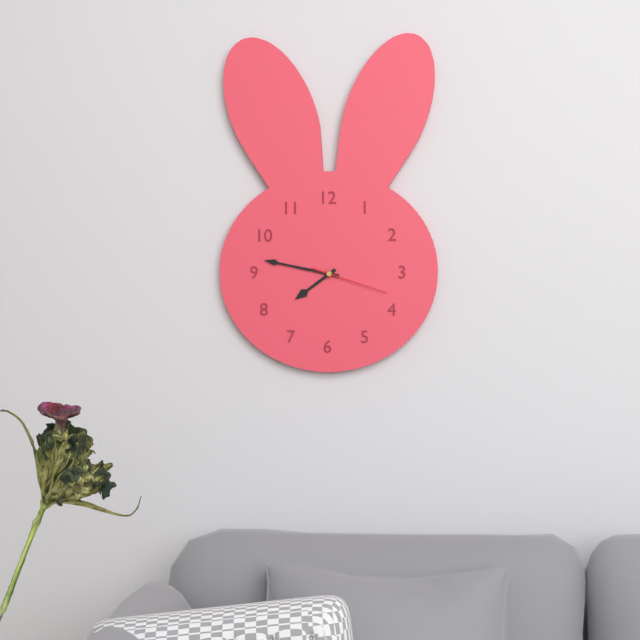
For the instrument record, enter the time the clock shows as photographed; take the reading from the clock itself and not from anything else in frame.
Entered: 7:47:18
